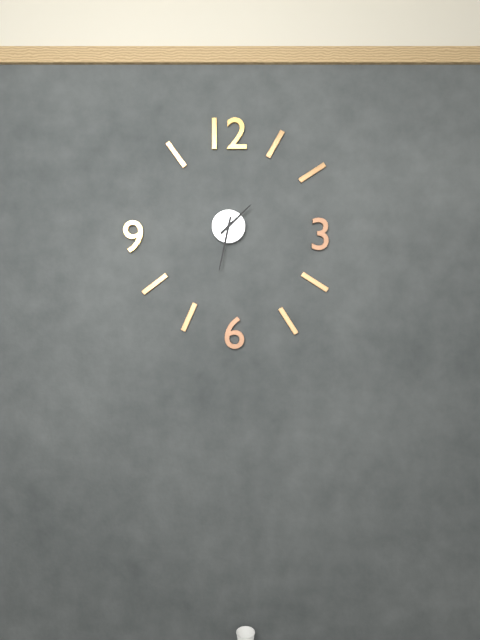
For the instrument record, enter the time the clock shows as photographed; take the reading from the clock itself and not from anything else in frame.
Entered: 1:32
